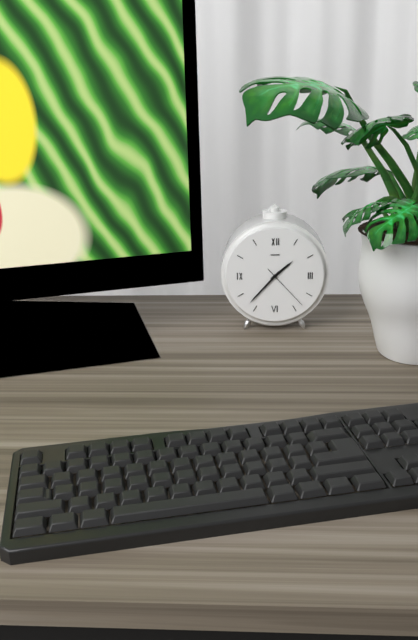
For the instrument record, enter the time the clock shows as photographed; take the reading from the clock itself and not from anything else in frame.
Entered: 1:37:23
